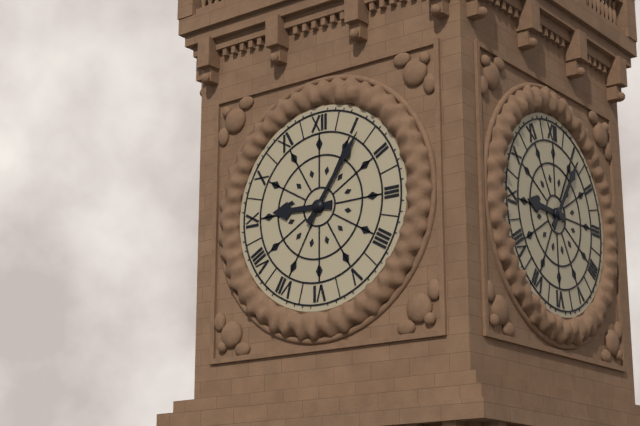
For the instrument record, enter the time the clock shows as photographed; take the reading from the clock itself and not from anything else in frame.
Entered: 9:06
